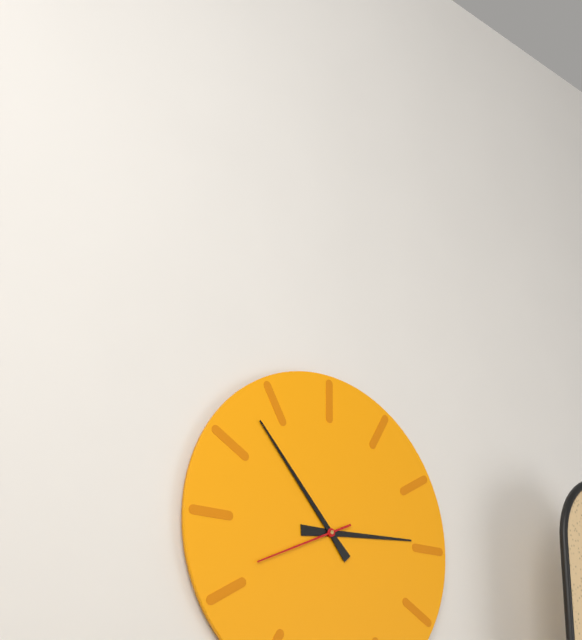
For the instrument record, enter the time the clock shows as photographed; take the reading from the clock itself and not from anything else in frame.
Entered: 2:53:41
